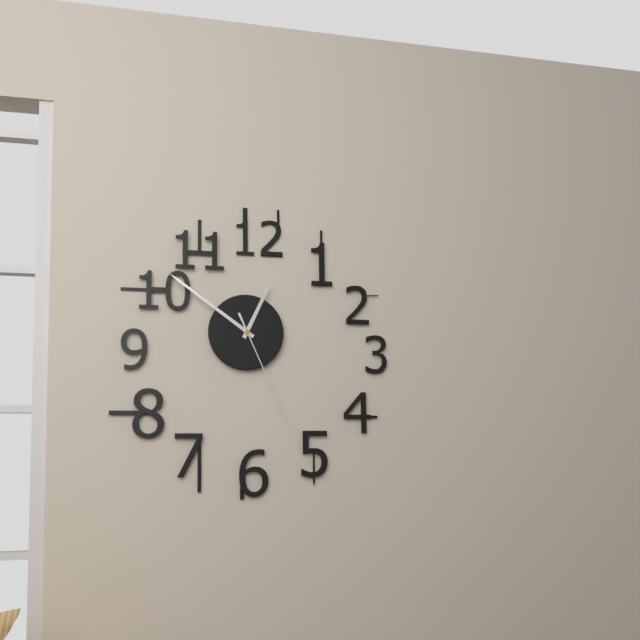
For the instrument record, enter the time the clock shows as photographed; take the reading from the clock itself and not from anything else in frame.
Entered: 12:51:26
